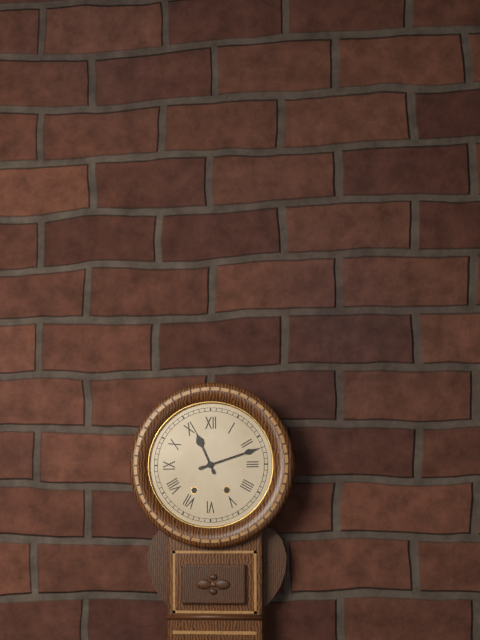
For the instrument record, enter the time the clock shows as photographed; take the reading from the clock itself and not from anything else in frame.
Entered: 11:12
